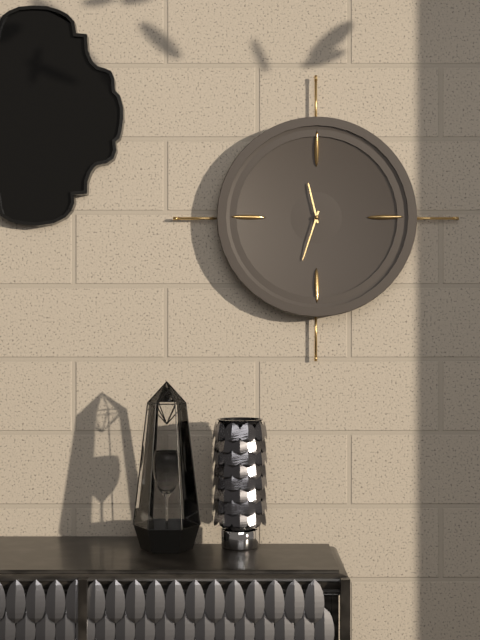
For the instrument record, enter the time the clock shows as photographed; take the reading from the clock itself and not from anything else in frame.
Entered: 11:33
